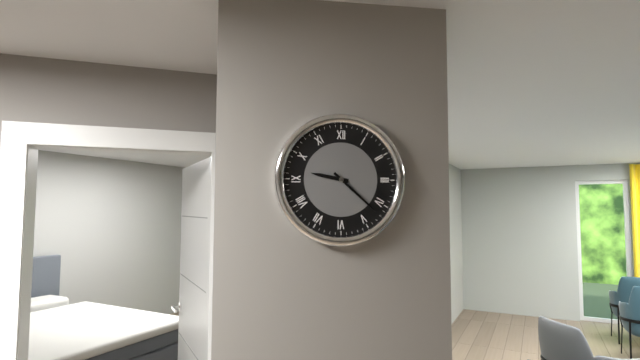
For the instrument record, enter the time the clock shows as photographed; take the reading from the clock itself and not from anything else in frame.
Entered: 9:22
